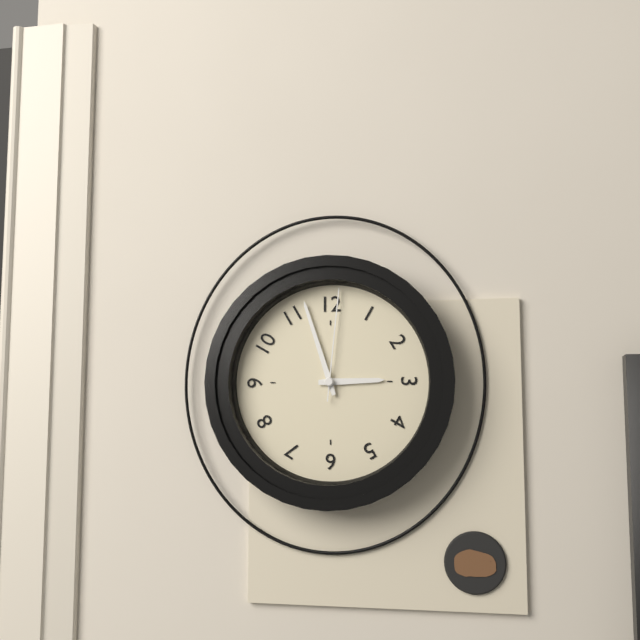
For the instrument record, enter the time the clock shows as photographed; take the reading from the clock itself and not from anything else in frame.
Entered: 2:57:01
